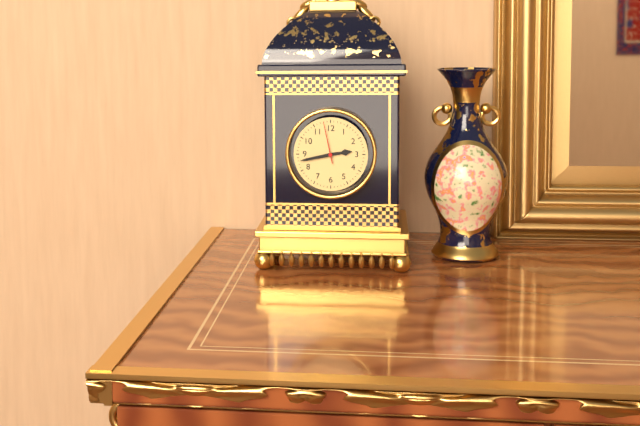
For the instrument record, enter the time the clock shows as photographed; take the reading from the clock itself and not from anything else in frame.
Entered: 2:43
